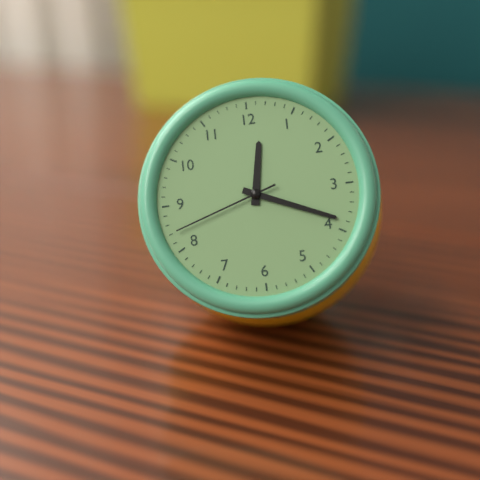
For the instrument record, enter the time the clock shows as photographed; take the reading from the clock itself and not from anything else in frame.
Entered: 12:19:42
